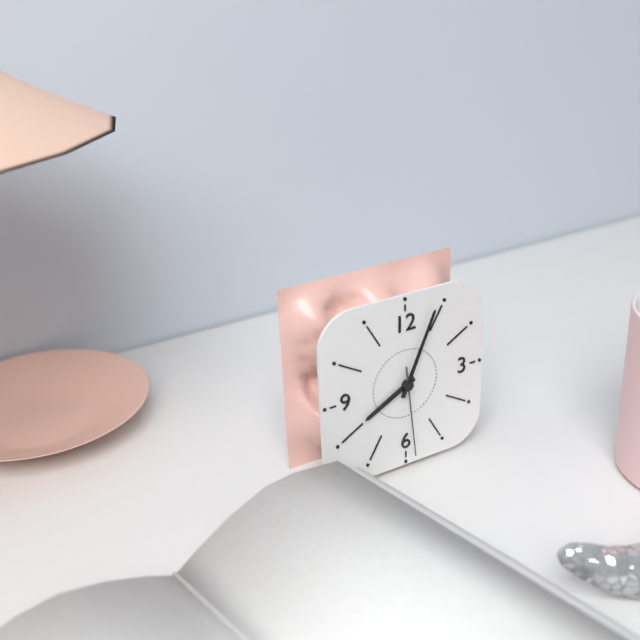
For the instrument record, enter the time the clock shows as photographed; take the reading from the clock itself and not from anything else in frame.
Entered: 8:04:29
